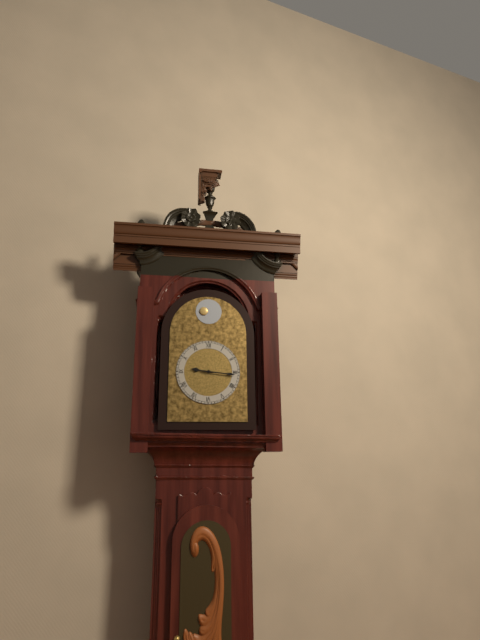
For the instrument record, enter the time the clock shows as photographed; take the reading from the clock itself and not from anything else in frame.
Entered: 9:16
